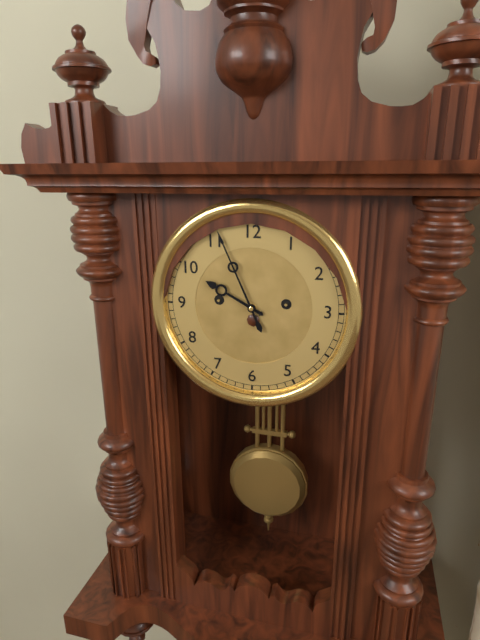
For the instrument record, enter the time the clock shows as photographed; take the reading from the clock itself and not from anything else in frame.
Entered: 9:56
